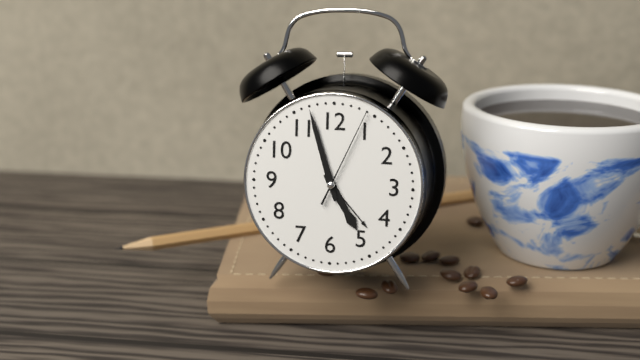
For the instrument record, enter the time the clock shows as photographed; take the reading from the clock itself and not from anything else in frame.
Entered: 4:57:04
